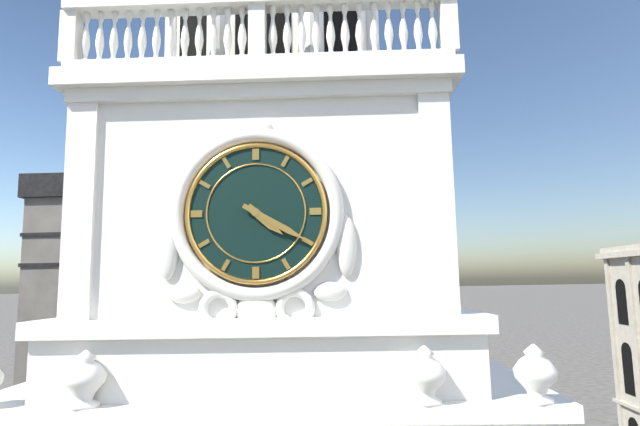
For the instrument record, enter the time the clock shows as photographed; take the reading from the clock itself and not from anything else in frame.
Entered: 4:20
